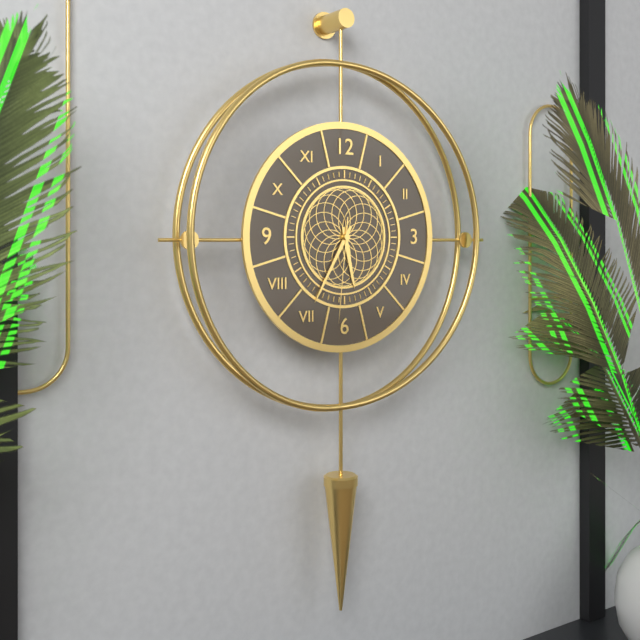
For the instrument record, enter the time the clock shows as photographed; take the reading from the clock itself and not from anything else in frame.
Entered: 5:35:31
